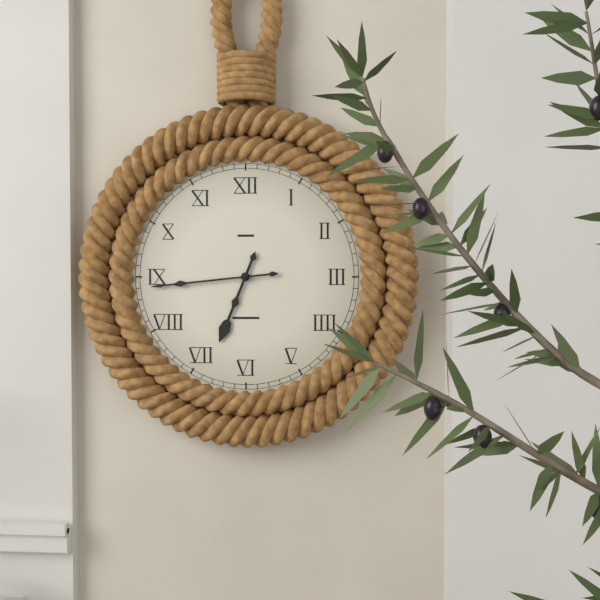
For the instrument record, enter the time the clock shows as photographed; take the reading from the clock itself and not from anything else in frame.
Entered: 6:44
